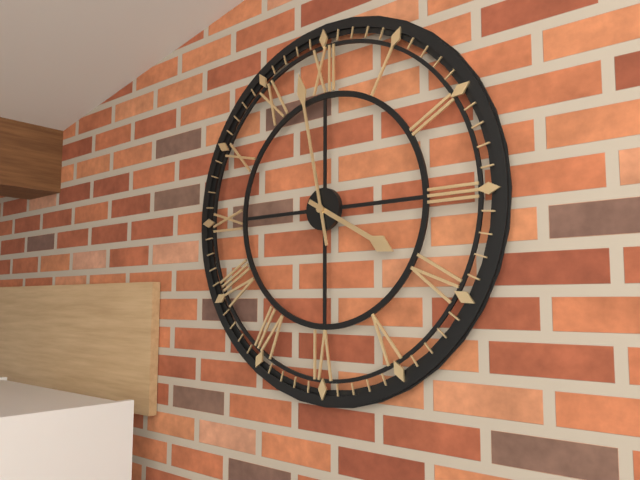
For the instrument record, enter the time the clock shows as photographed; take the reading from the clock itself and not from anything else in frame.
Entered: 3:58
